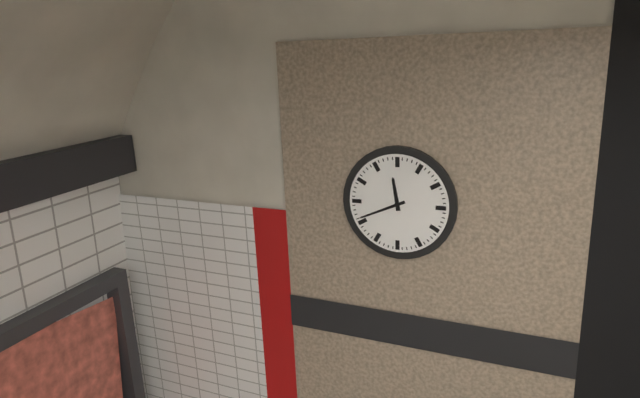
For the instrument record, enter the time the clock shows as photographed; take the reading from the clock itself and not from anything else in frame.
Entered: 11:41
